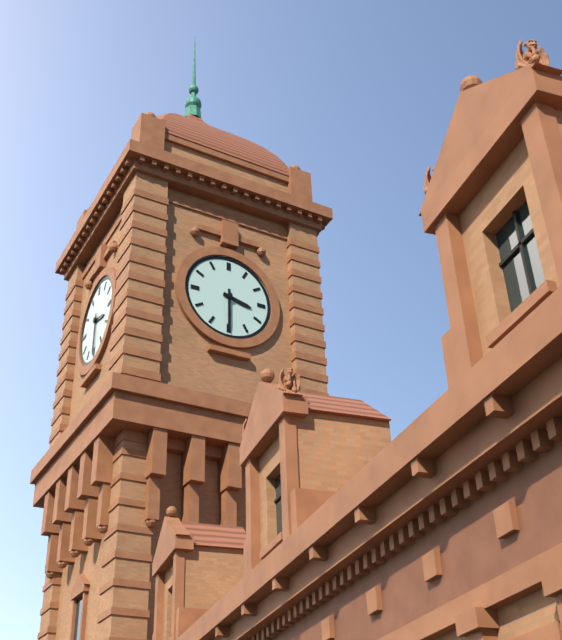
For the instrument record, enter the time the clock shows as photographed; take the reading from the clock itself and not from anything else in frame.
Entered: 3:30
